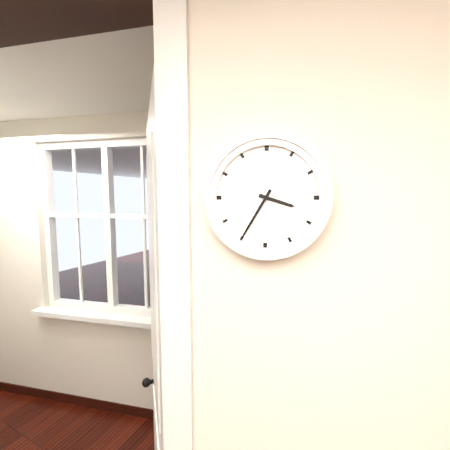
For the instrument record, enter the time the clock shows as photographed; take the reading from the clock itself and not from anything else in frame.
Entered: 3:35
